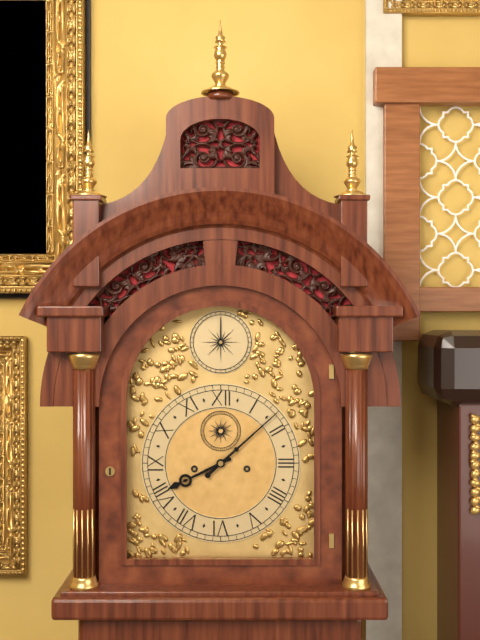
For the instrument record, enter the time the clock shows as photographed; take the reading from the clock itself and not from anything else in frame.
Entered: 8:08
